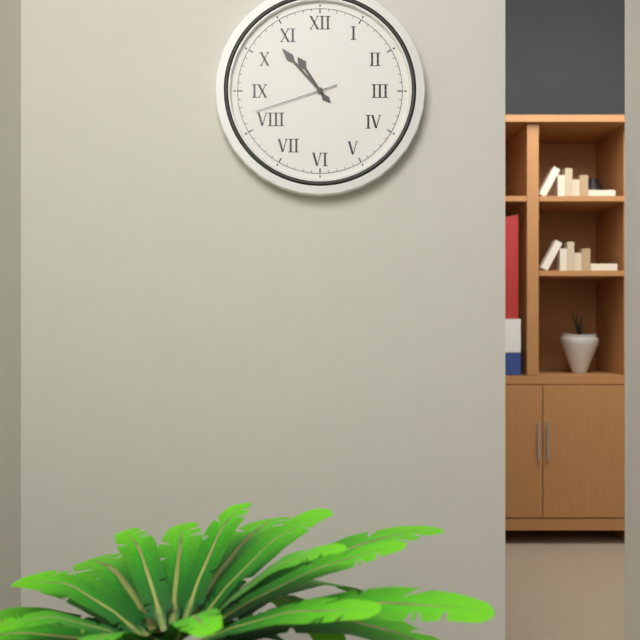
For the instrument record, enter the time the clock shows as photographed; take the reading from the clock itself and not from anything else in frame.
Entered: 10:53:42
